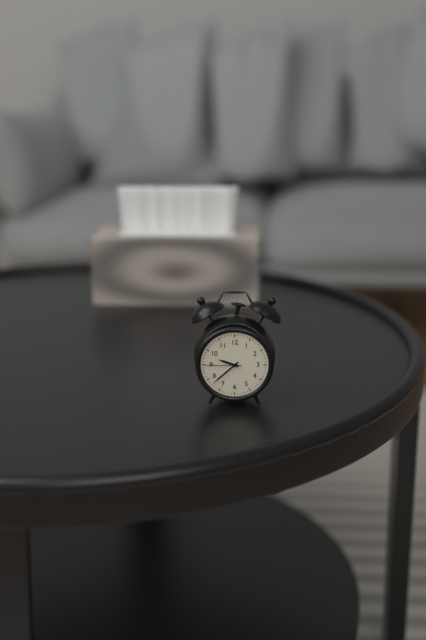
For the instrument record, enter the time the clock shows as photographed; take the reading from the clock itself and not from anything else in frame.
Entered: 9:38
